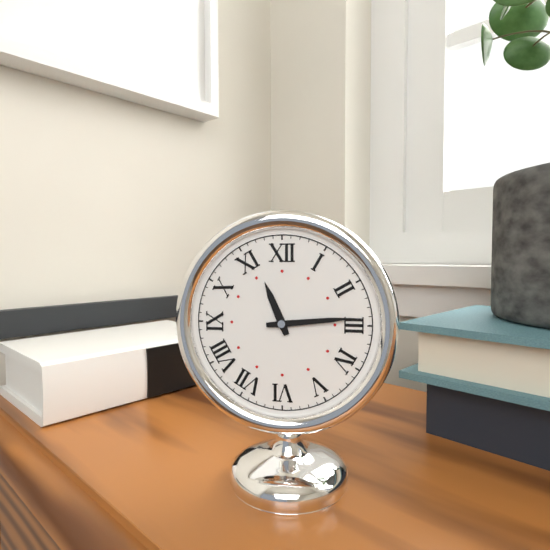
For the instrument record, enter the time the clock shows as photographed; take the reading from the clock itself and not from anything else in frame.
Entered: 11:14
